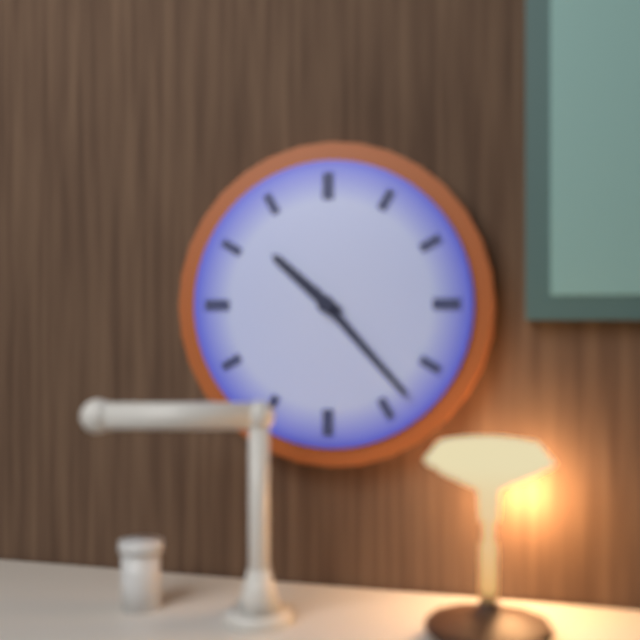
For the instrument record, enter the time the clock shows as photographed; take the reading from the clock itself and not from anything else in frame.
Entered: 10:23
